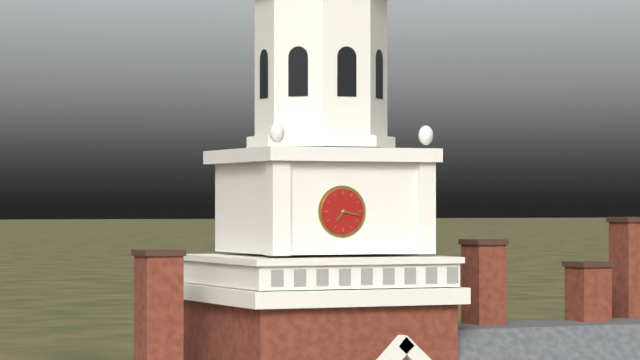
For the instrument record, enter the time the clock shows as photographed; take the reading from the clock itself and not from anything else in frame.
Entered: 7:17
